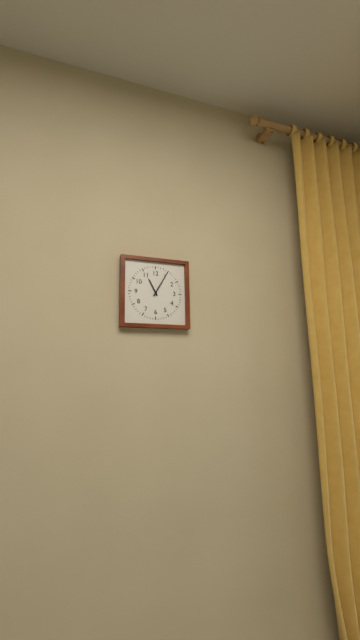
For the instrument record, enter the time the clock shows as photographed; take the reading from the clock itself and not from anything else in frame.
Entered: 11:05
